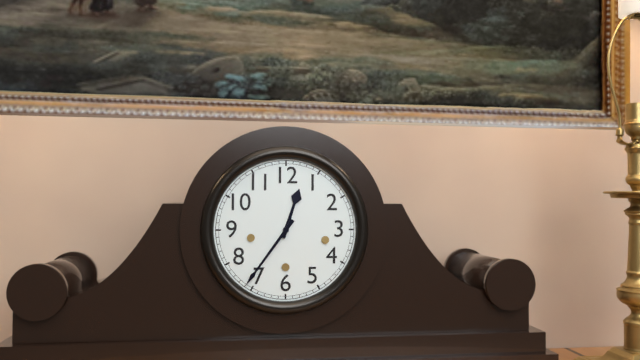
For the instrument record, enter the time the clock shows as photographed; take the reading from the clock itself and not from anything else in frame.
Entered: 12:36
